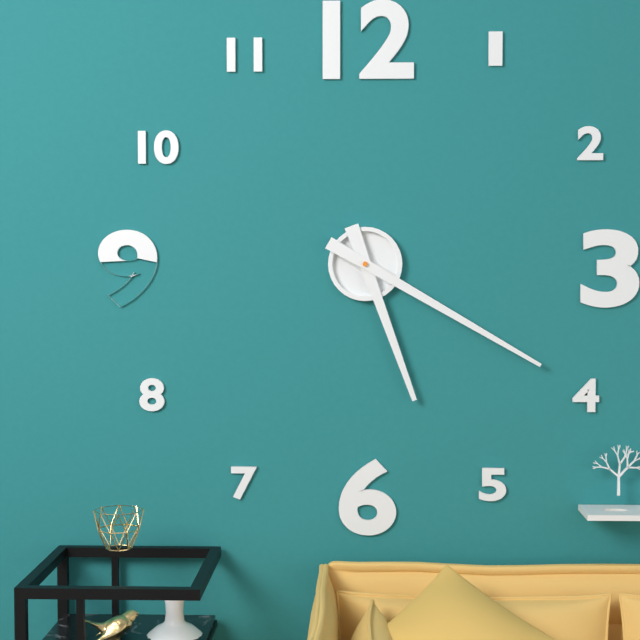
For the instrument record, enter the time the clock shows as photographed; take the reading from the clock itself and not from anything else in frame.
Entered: 5:20
